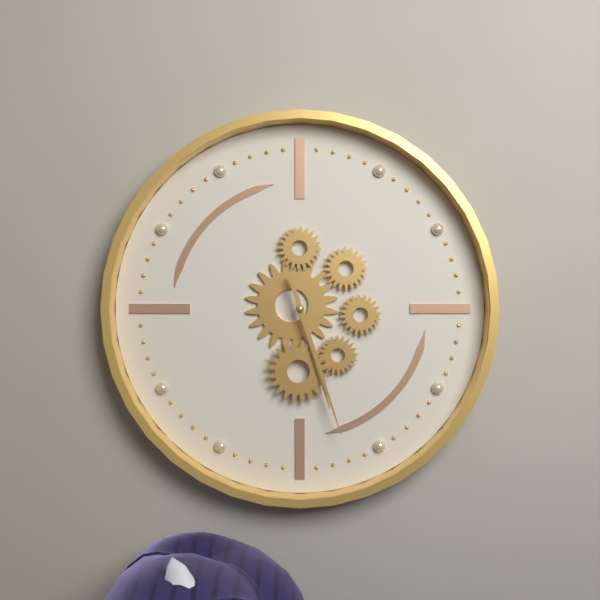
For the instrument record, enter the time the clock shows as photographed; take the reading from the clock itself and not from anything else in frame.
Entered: 5:27
